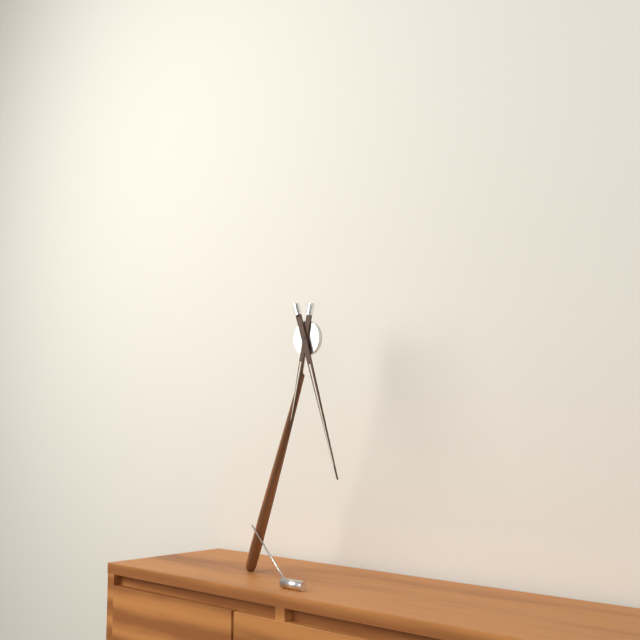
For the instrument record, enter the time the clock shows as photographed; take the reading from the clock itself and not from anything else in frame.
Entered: 6:27
